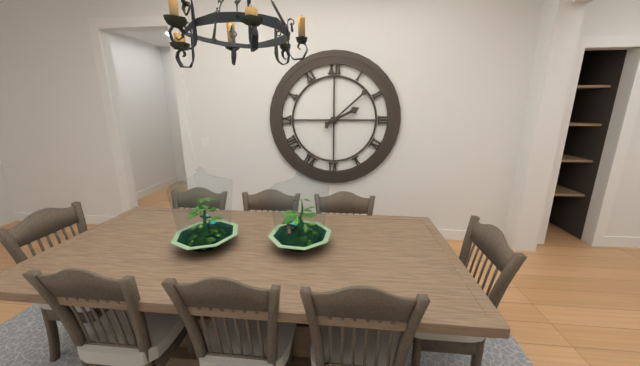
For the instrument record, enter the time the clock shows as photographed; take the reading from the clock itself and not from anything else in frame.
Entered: 2:08
